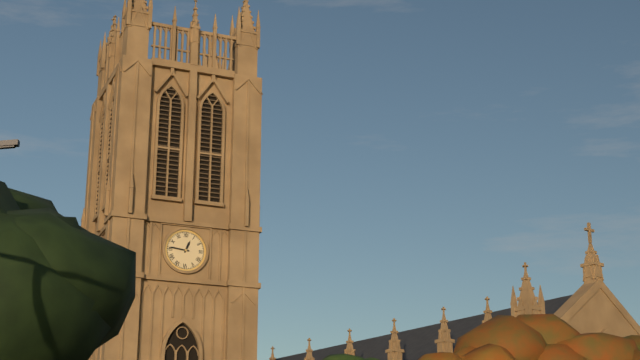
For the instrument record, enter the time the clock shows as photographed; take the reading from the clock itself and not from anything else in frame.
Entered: 12:46
